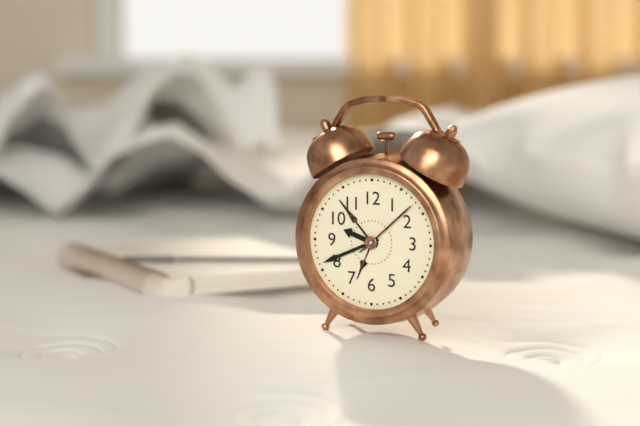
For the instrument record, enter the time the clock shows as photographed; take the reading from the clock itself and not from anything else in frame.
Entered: 9:41:08
